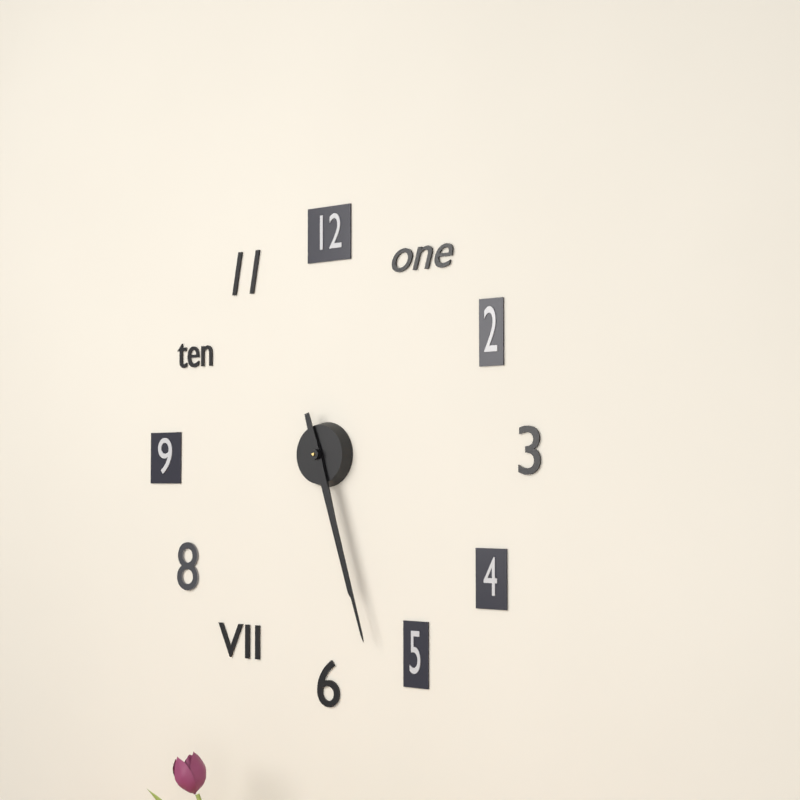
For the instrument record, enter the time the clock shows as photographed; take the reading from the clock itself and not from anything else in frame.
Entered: 5:27
